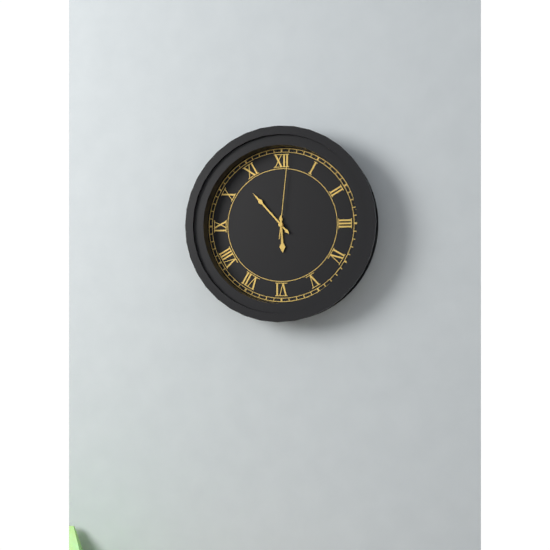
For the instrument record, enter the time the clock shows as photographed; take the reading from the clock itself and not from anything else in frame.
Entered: 5:53:01
